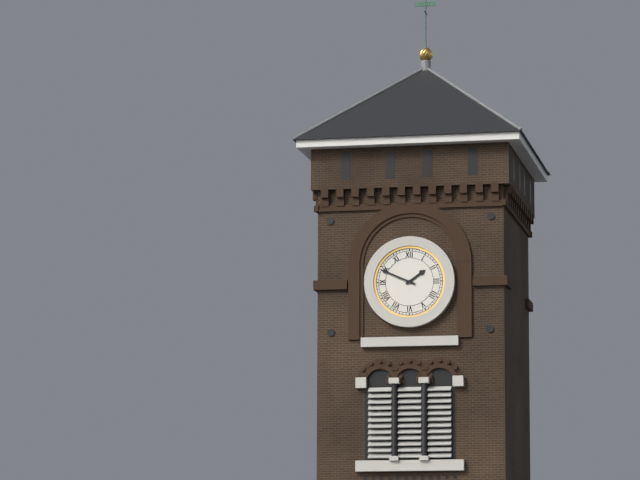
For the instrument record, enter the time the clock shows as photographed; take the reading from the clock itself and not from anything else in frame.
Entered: 1:49
